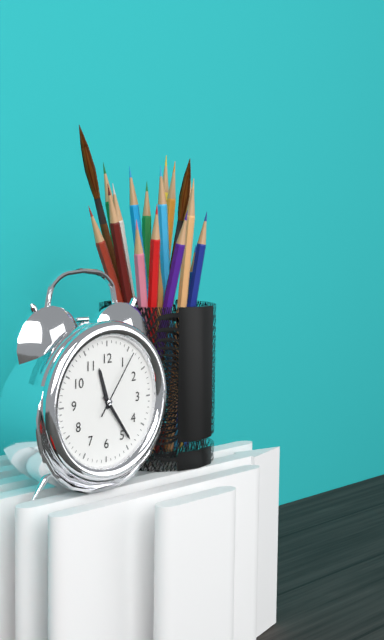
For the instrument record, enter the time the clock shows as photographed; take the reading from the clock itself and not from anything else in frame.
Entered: 11:24:06
